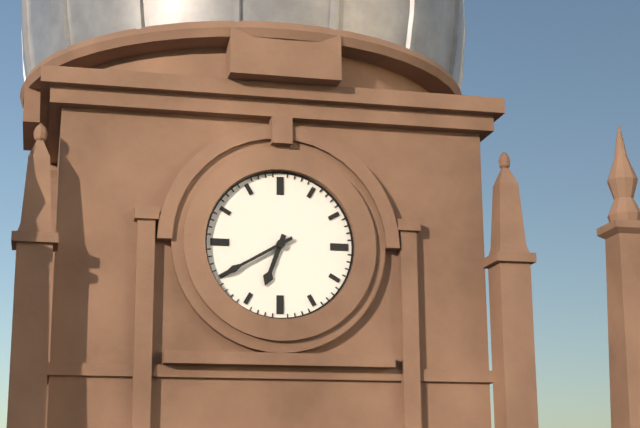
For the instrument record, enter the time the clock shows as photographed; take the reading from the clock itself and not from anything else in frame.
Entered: 6:40
